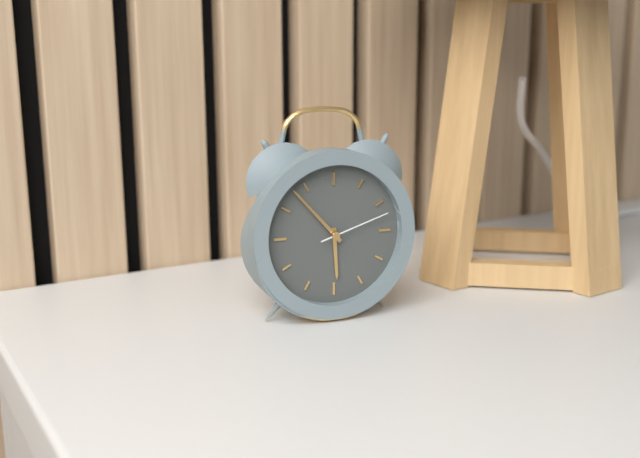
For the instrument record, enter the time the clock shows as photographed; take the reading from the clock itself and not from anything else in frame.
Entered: 5:53:12
